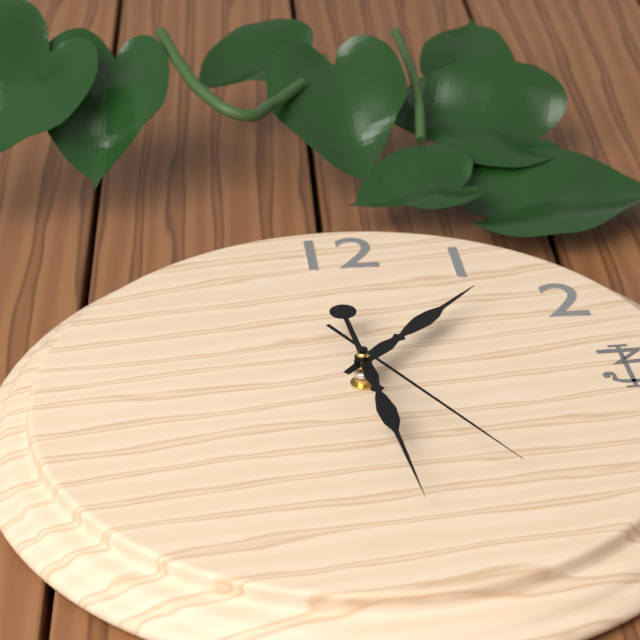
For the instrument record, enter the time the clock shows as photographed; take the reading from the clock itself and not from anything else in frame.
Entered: 1:29:25
